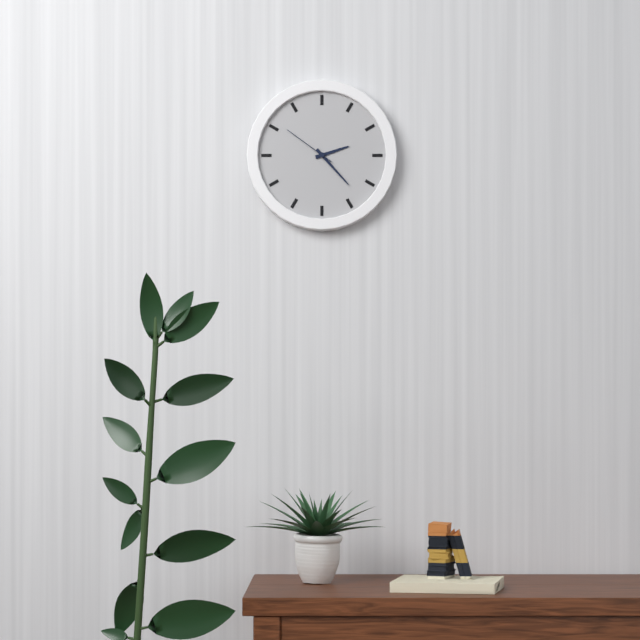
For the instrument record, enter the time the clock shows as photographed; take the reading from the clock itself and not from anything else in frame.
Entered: 2:23:51
